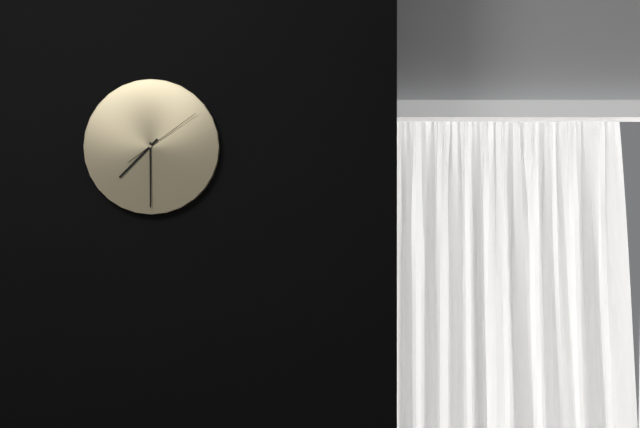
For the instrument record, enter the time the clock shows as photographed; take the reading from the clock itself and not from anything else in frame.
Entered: 7:30:09
